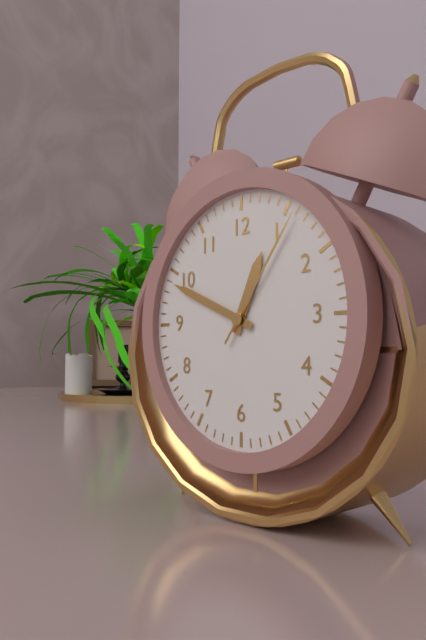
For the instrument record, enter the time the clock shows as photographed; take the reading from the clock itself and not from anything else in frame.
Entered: 12:49:06
